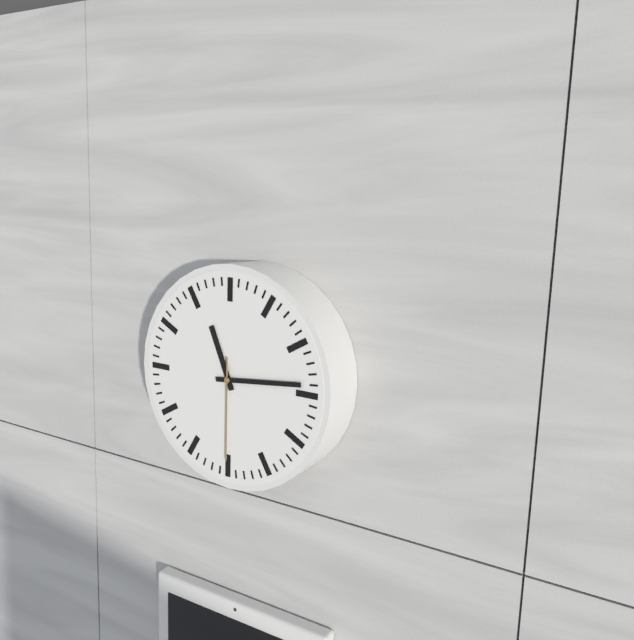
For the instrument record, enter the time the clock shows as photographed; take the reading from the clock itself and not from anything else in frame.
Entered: 11:14:30
